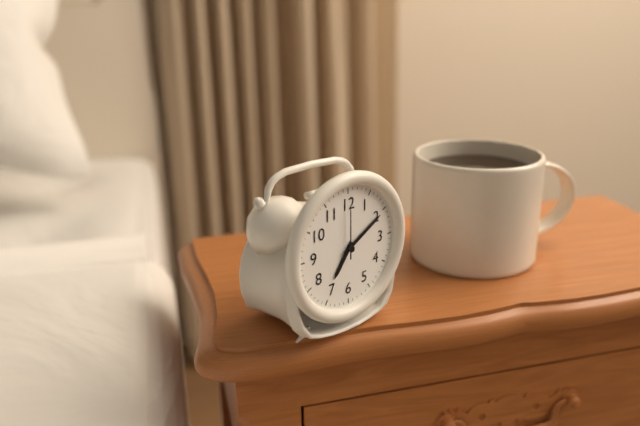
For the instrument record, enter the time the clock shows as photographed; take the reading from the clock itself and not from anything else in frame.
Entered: 7:10
